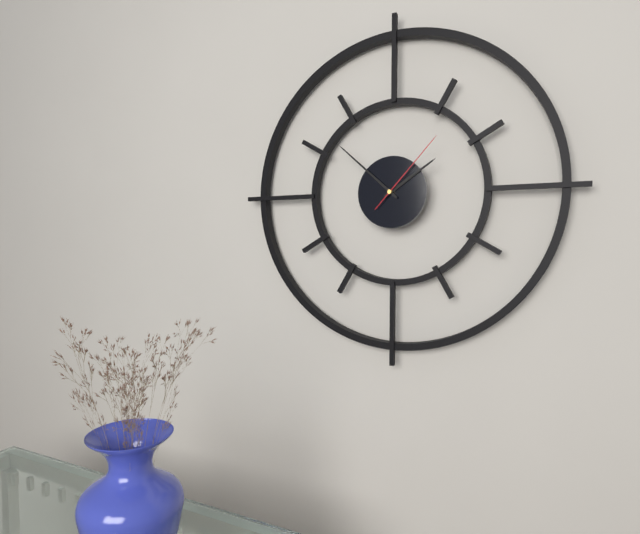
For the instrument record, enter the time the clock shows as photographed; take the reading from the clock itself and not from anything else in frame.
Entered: 1:52:07
